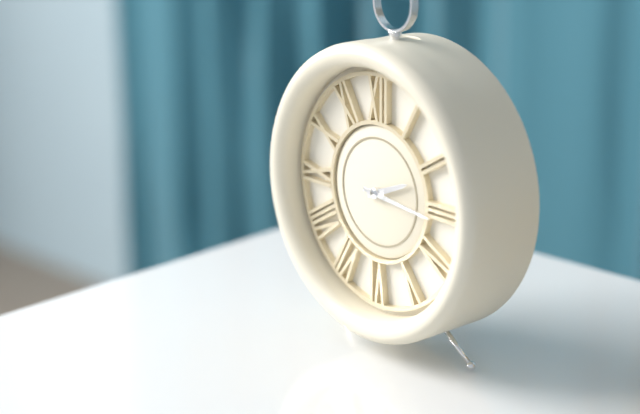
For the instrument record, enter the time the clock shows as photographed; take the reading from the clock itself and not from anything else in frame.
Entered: 2:16
